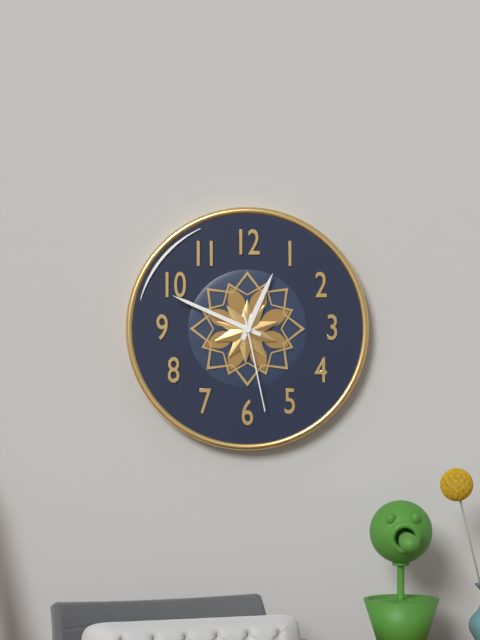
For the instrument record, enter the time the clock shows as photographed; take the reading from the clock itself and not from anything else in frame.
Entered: 12:49:28
